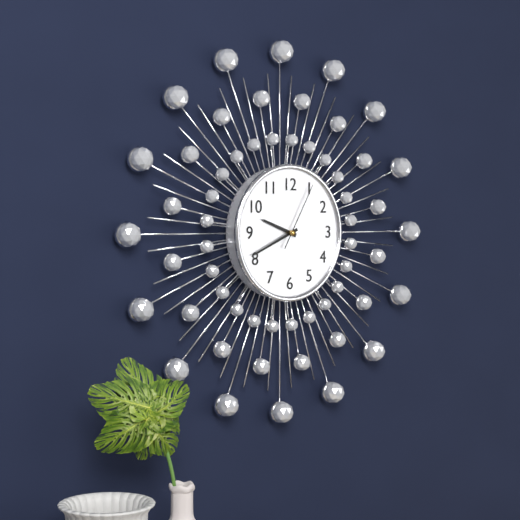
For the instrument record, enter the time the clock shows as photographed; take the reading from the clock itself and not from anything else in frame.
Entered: 9:41:05
